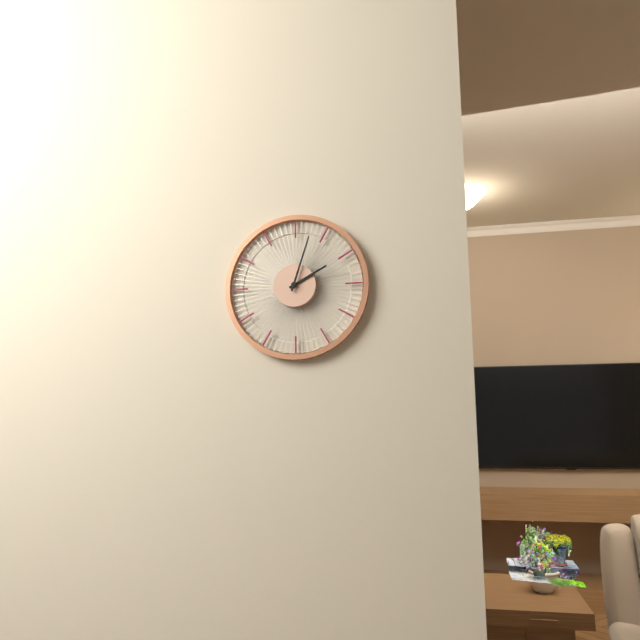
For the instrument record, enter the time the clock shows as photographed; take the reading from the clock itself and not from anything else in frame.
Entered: 2:03
